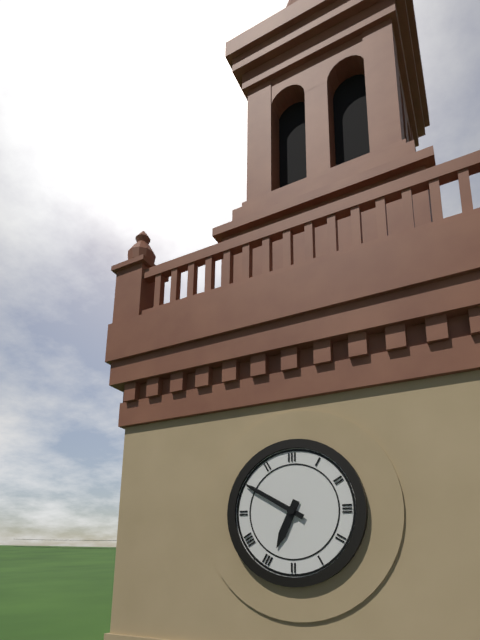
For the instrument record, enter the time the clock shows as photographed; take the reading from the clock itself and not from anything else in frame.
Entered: 6:50
